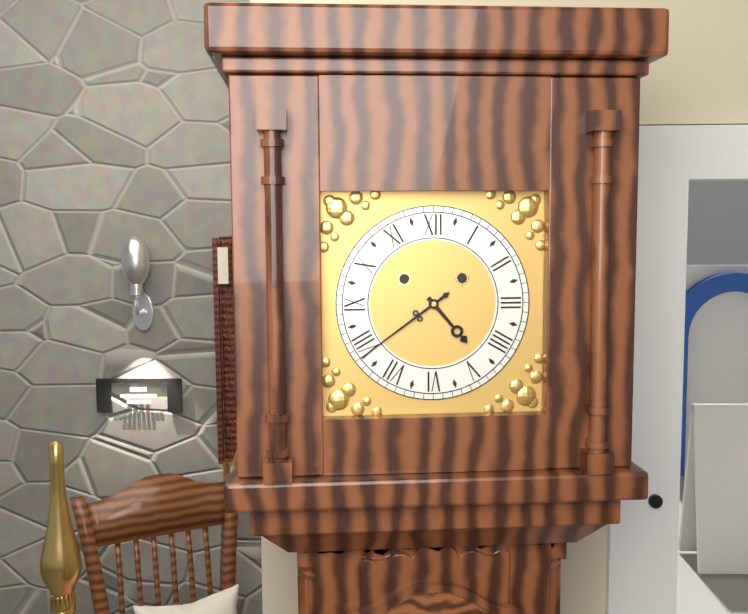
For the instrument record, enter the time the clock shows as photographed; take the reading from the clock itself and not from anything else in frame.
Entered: 4:39
